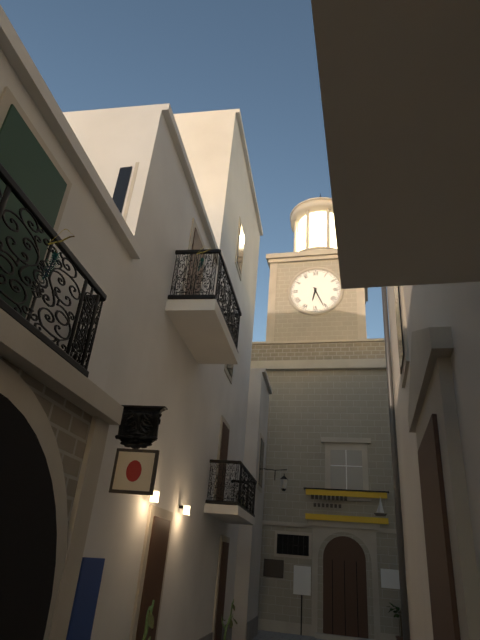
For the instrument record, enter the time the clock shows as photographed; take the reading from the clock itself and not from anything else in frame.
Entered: 6:26
